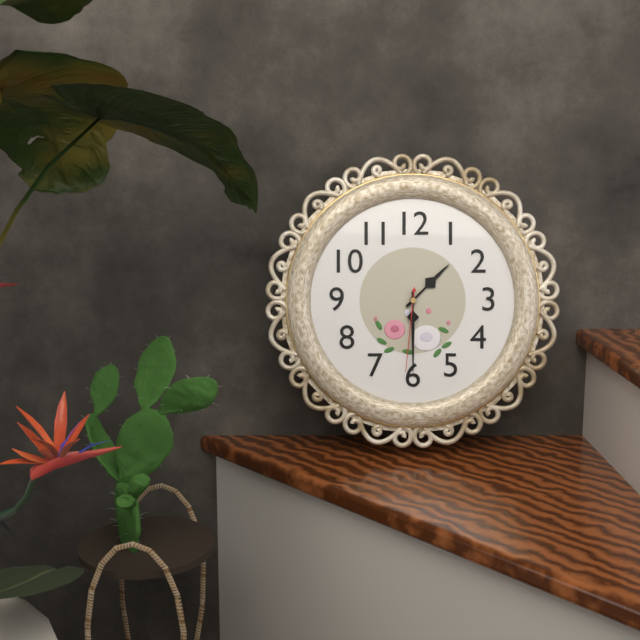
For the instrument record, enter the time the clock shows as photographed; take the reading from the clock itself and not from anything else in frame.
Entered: 1:30:31
